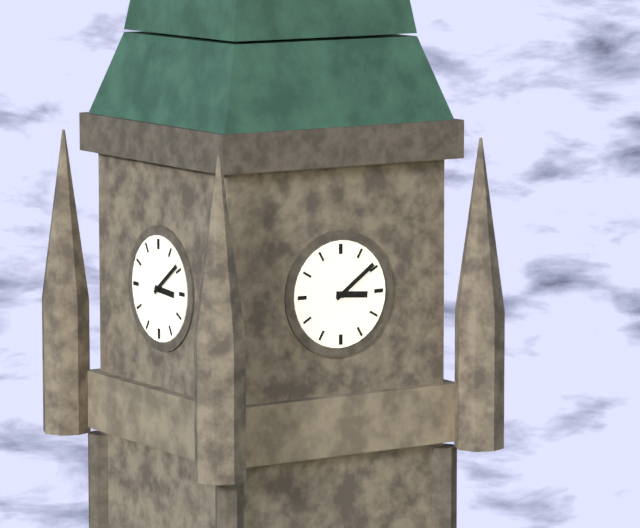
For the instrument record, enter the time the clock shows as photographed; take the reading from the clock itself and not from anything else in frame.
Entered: 3:09
